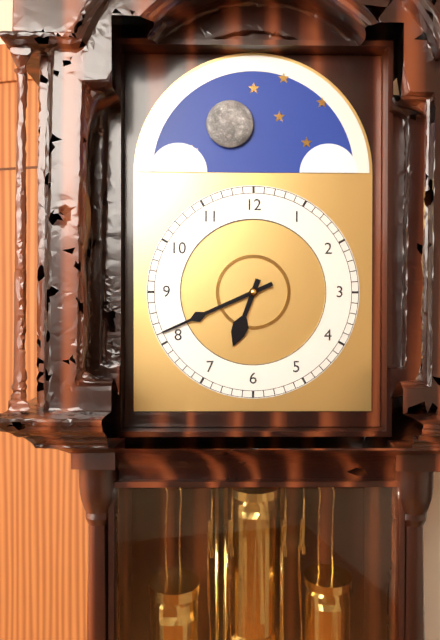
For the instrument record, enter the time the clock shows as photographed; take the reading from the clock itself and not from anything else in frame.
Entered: 6:41
